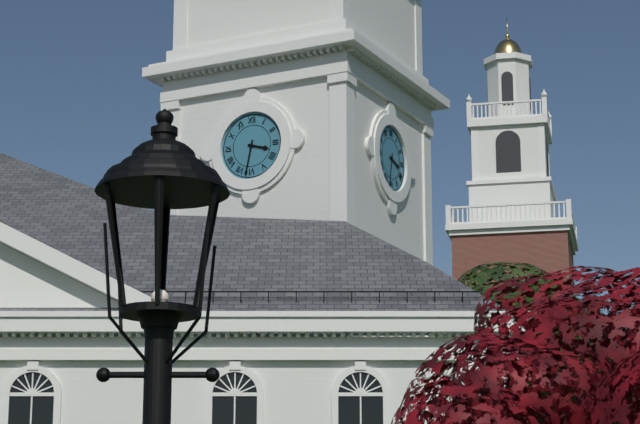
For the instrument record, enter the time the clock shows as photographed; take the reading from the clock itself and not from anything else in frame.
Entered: 3:32
